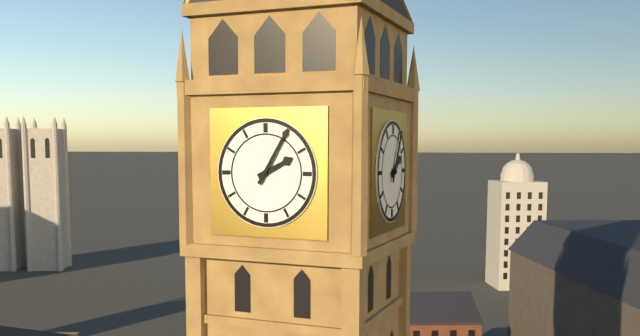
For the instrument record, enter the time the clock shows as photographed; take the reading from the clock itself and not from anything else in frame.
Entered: 2:05
